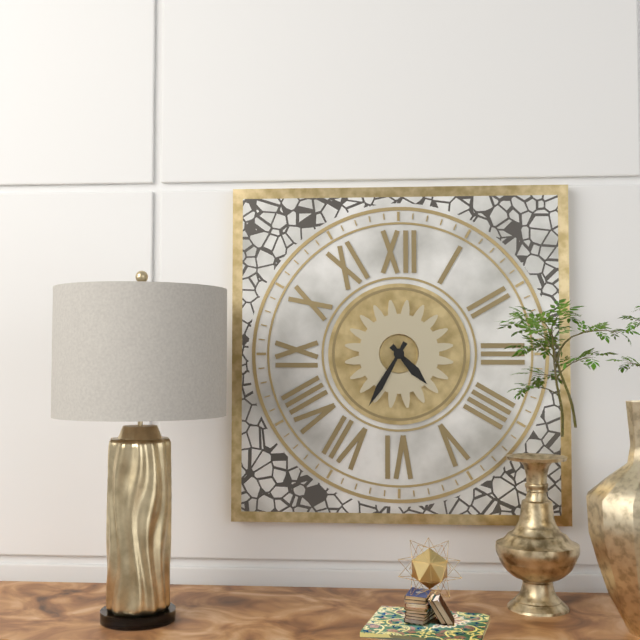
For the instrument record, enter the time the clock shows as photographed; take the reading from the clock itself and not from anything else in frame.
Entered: 4:35
